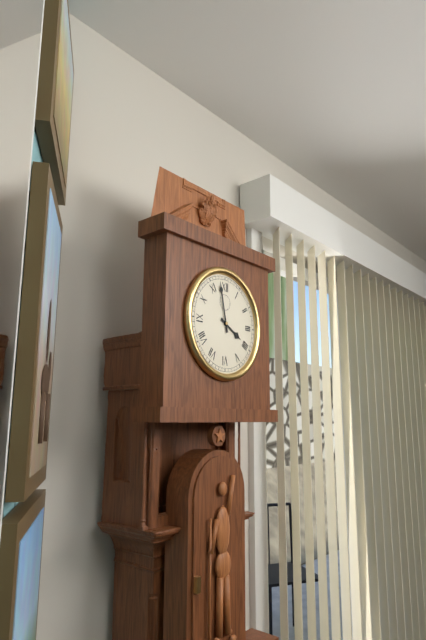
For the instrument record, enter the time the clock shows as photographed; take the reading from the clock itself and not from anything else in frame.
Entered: 3:58
